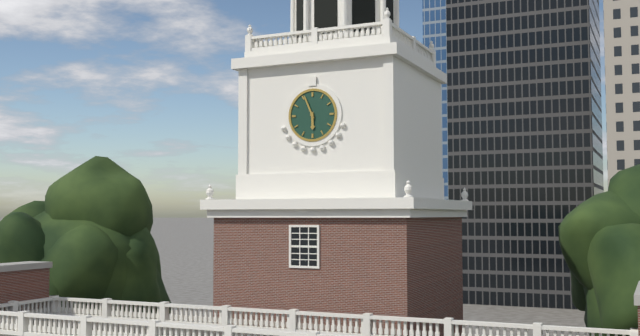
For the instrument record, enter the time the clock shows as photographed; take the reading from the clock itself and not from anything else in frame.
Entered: 5:56
